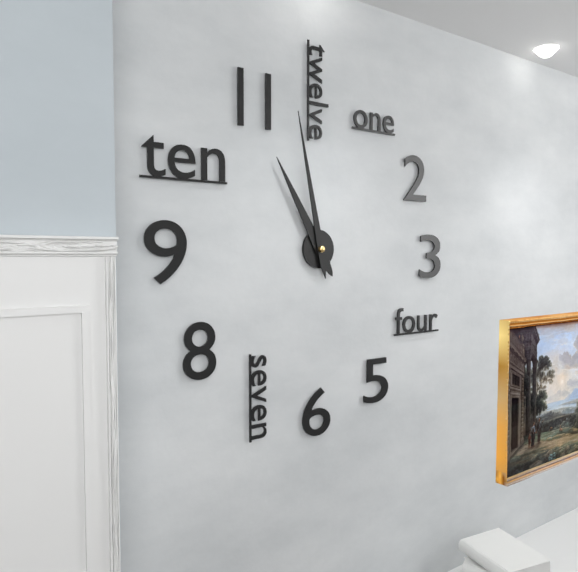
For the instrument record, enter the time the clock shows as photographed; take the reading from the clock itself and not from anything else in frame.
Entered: 10:58
